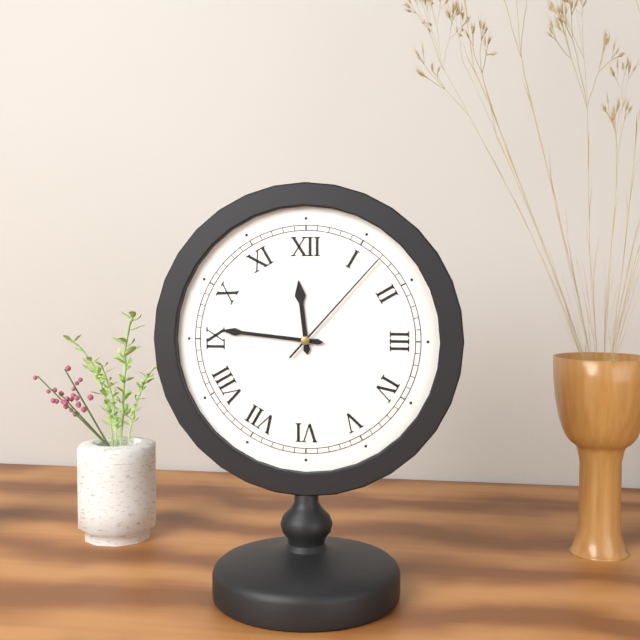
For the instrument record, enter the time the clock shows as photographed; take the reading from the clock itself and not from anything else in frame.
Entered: 11:46:07
